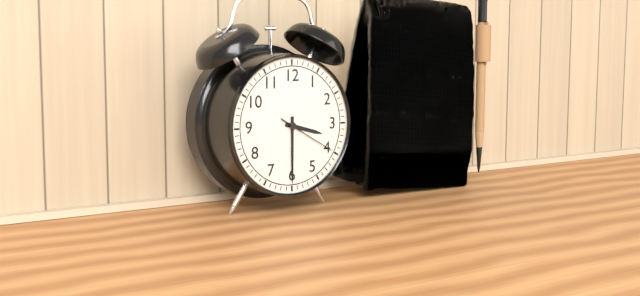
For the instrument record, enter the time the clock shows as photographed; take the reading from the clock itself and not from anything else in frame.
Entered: 3:30:20
